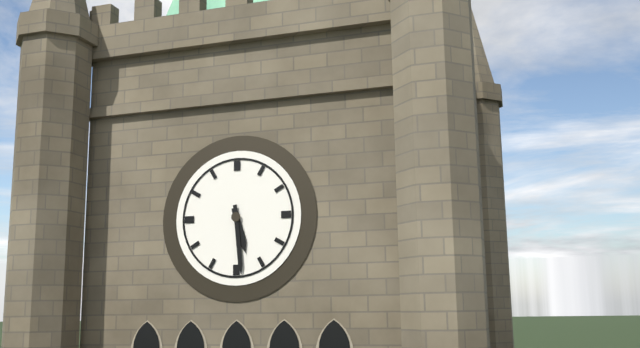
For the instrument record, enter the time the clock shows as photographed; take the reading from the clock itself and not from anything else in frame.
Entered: 5:29
